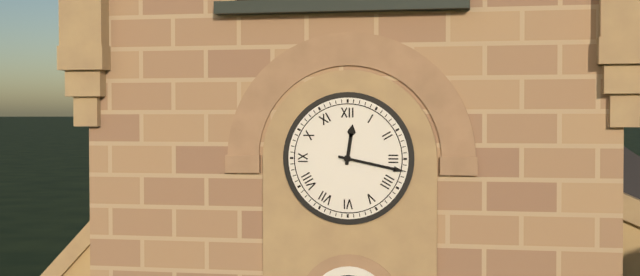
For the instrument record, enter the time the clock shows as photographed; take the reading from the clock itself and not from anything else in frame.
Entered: 12:17
